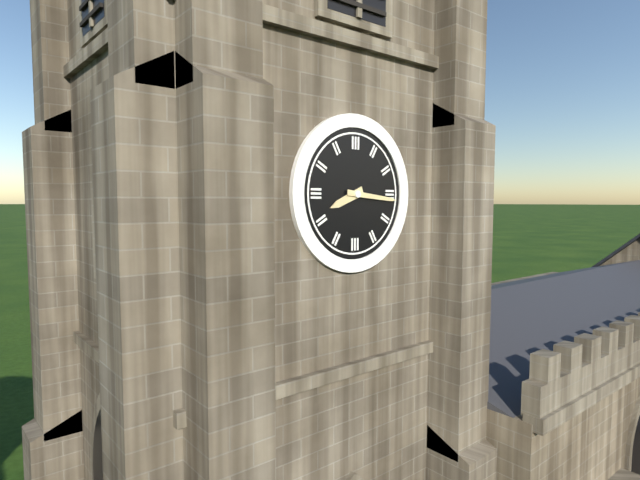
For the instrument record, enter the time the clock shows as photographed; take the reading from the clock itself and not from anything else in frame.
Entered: 8:16
